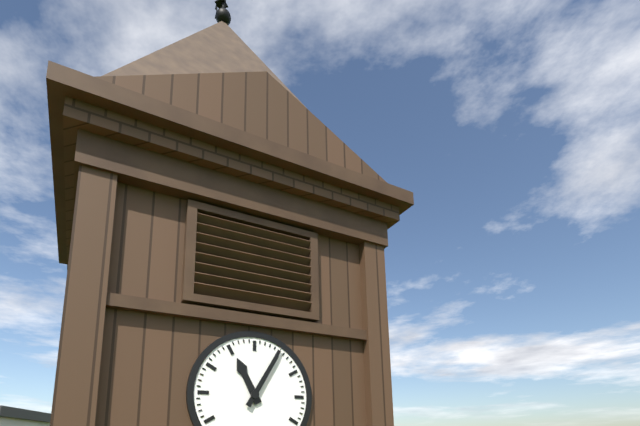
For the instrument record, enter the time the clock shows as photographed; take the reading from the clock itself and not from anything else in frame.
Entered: 11:05
